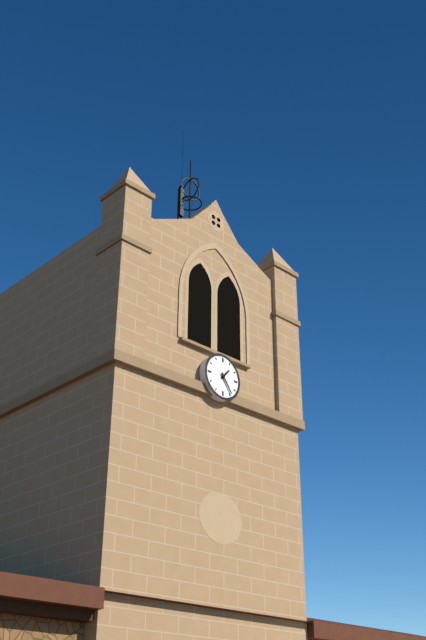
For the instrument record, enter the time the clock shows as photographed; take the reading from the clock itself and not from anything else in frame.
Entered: 1:24
